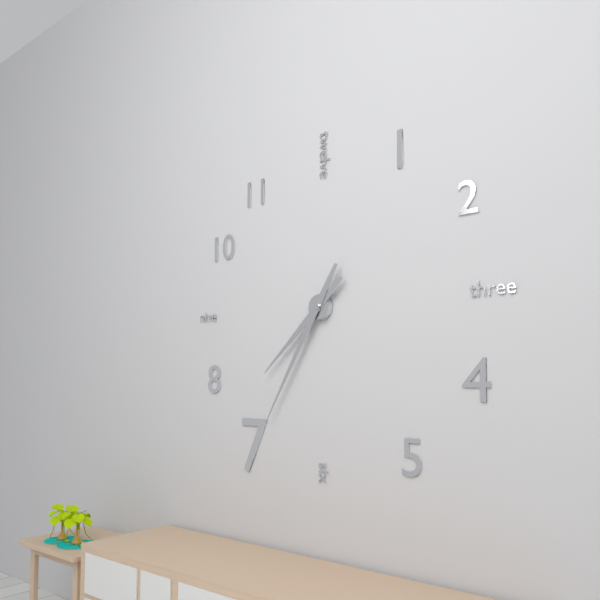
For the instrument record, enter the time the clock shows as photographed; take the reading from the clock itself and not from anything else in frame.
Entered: 7:35
